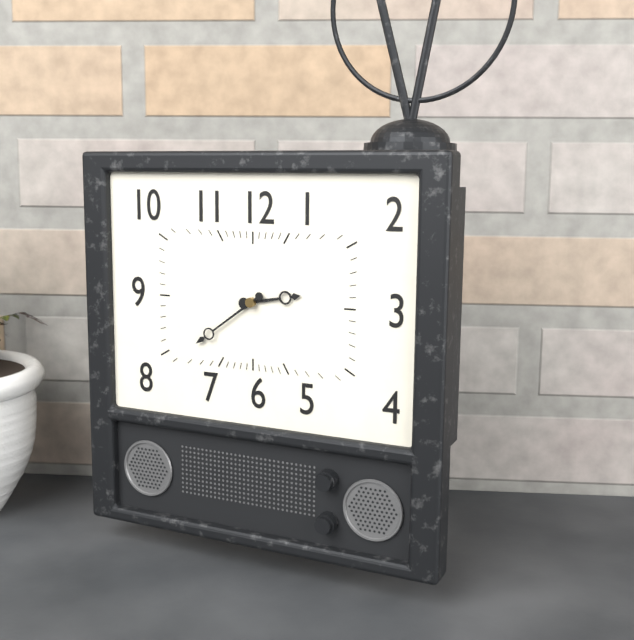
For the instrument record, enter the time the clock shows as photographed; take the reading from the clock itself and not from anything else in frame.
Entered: 2:39
